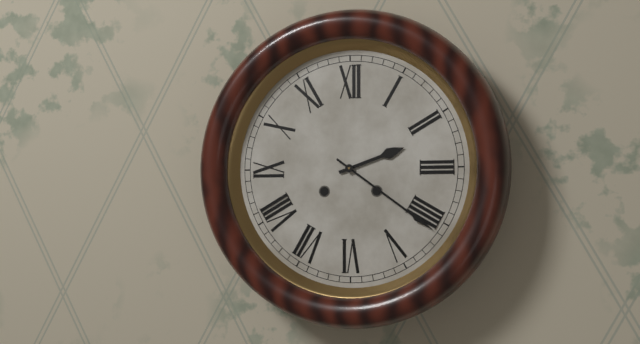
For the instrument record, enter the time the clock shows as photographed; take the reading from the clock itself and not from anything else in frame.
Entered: 2:21
